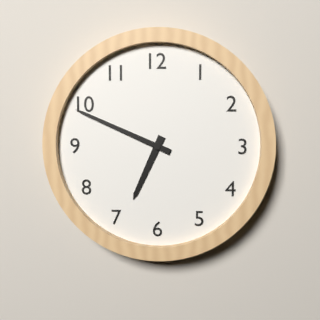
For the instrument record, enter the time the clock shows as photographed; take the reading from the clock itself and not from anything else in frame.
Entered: 6:49
